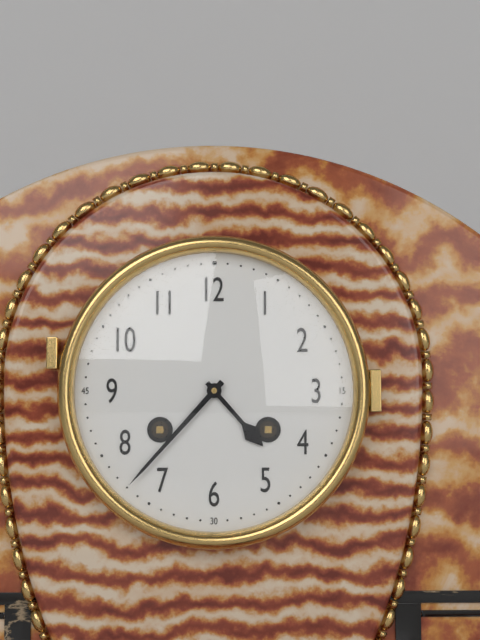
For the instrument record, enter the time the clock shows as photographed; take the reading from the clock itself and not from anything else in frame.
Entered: 4:37
